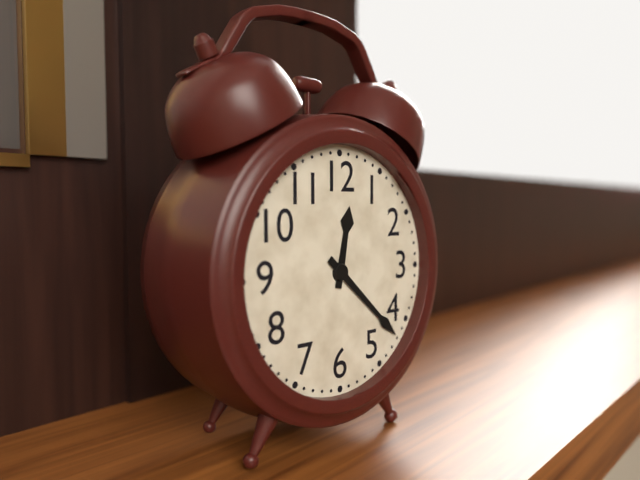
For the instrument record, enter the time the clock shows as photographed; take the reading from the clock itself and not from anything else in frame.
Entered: 12:22
